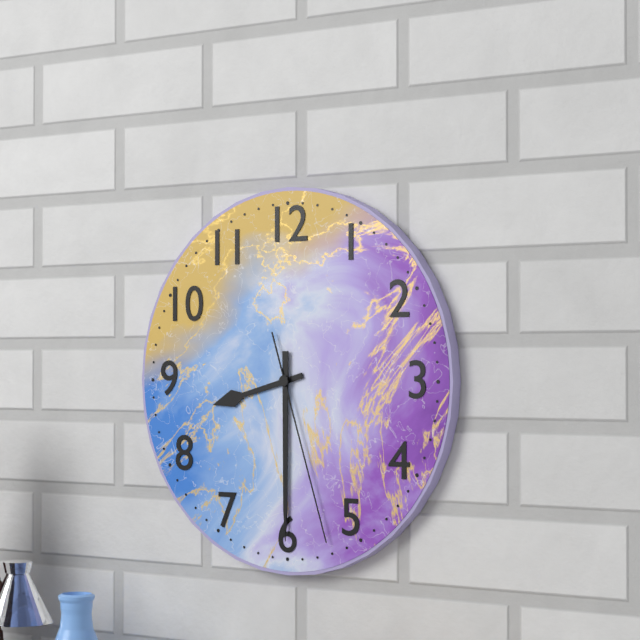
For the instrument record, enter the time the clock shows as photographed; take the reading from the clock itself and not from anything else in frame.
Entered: 8:30:27
